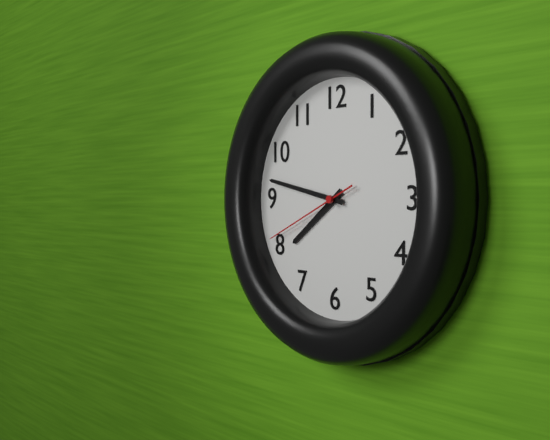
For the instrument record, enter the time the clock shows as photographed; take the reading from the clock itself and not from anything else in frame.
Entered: 7:47:41
